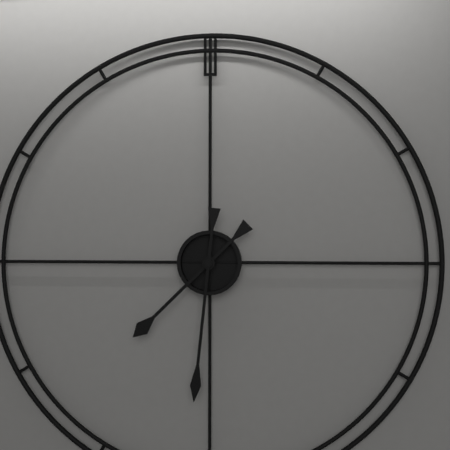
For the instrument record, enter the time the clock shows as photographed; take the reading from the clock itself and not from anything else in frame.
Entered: 7:31
